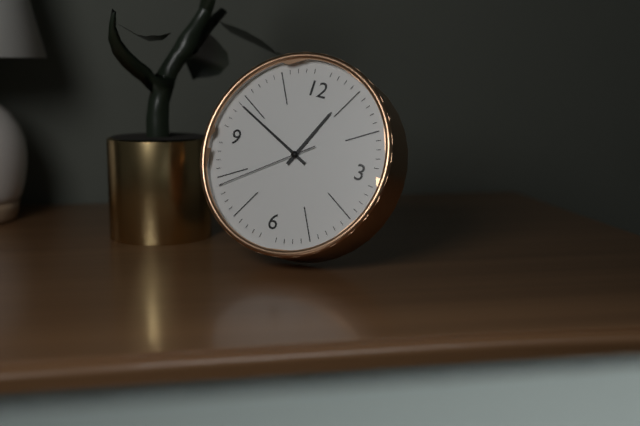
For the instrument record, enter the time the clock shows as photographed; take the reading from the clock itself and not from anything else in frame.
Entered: 12:49:39
